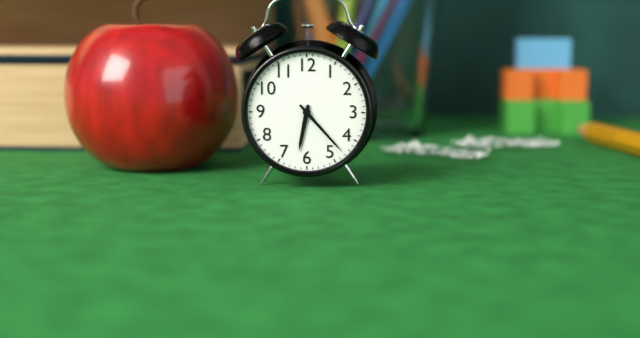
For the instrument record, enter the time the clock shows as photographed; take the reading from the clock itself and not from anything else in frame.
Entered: 6:23
